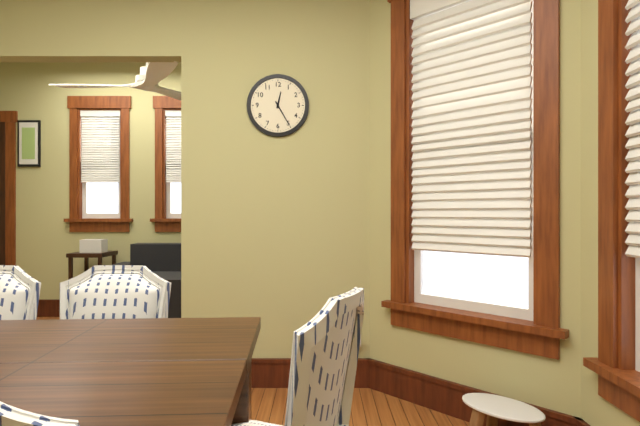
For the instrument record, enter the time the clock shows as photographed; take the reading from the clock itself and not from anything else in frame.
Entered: 12:25
